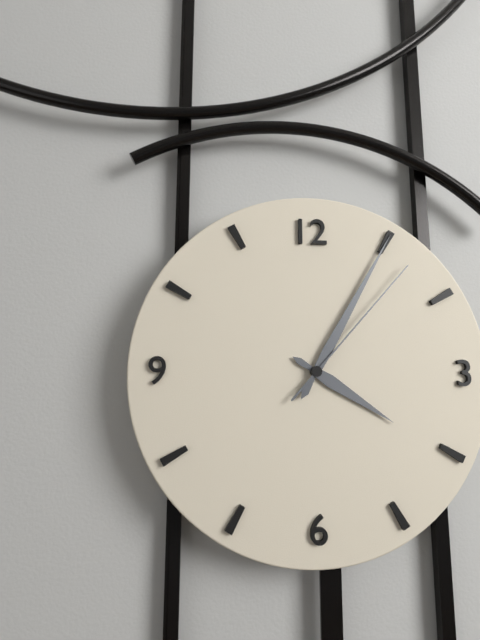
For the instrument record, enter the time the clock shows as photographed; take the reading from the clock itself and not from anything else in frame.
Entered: 4:05:07
